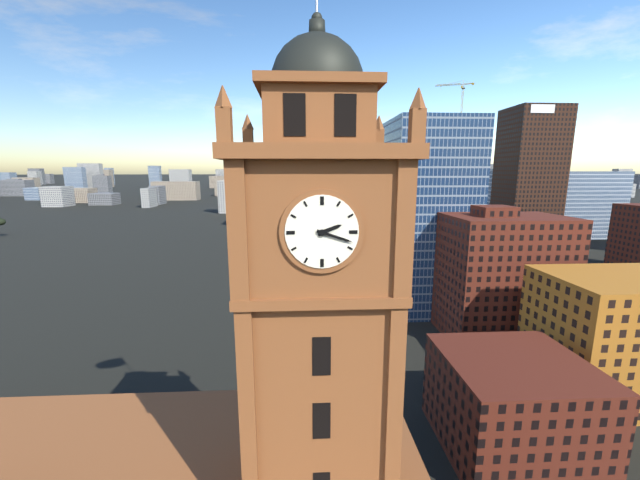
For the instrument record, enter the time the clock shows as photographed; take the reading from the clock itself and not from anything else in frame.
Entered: 2:18
